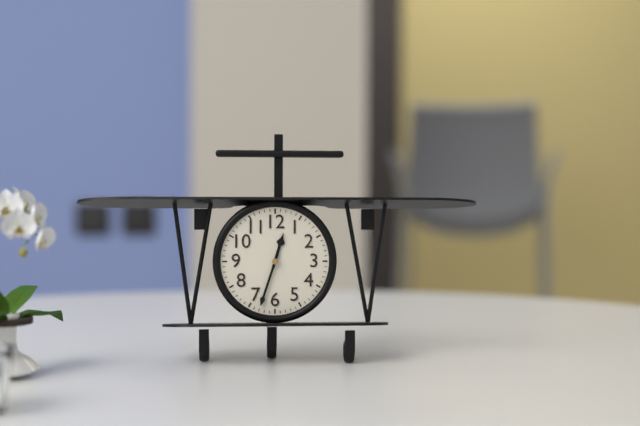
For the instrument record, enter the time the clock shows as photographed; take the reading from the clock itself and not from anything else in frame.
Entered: 12:33
